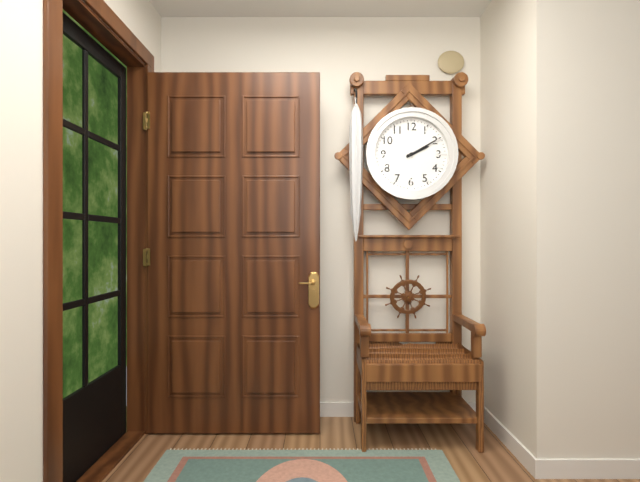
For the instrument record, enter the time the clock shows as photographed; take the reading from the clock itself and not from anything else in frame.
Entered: 2:10
